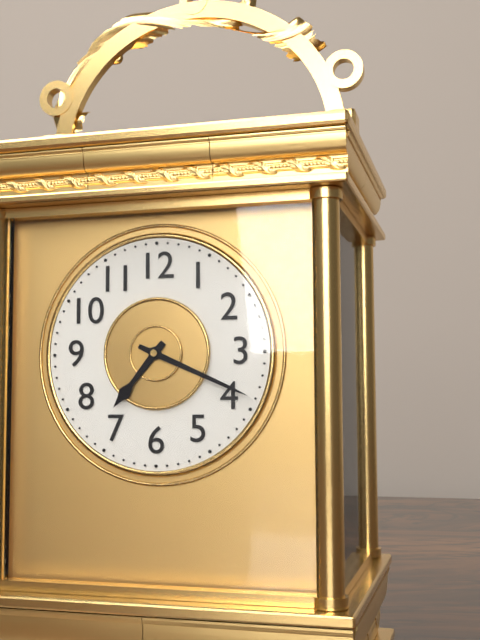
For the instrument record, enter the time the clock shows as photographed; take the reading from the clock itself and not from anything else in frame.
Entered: 7:19
